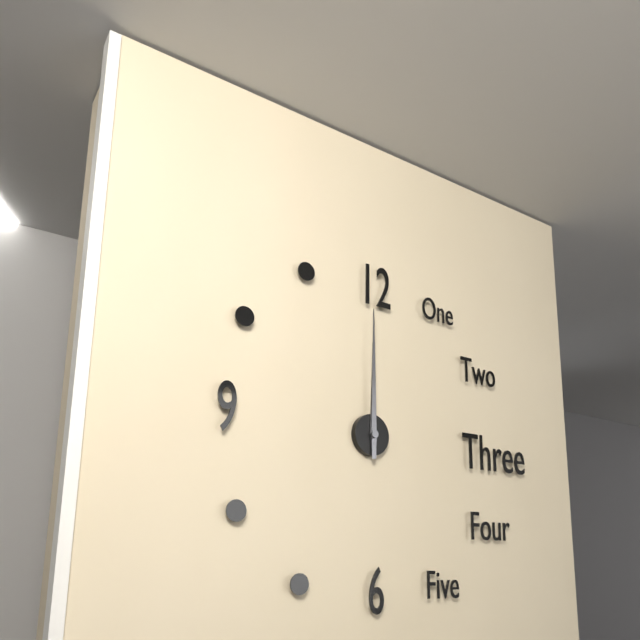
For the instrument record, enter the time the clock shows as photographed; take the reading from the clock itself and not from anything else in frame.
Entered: 12:00
